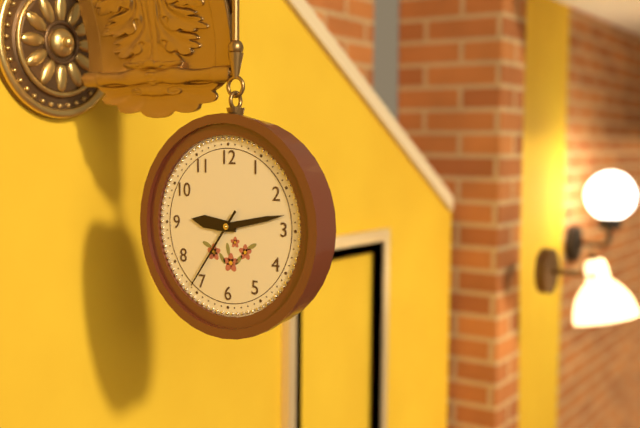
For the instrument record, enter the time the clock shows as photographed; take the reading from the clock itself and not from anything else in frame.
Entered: 9:13:36
